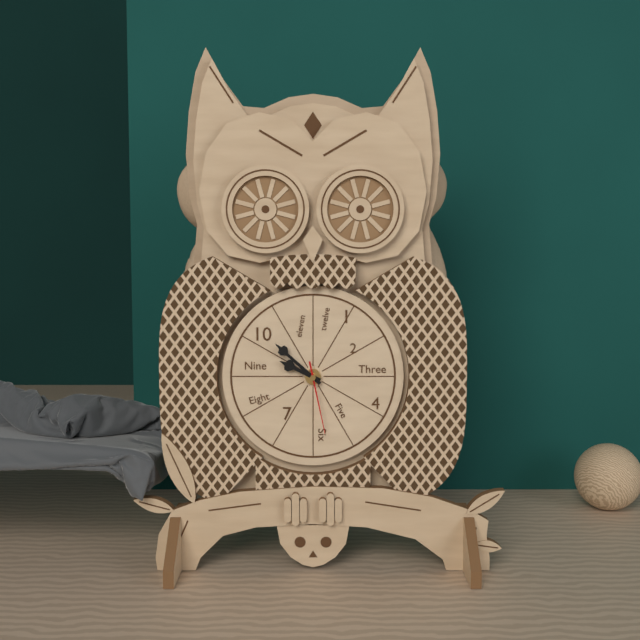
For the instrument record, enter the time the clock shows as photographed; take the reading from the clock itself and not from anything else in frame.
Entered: 9:52:28
